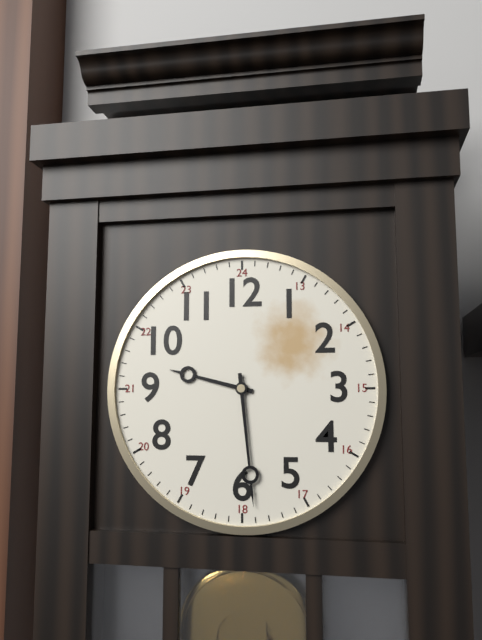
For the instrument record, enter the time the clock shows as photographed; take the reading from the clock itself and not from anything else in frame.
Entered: 9:29
